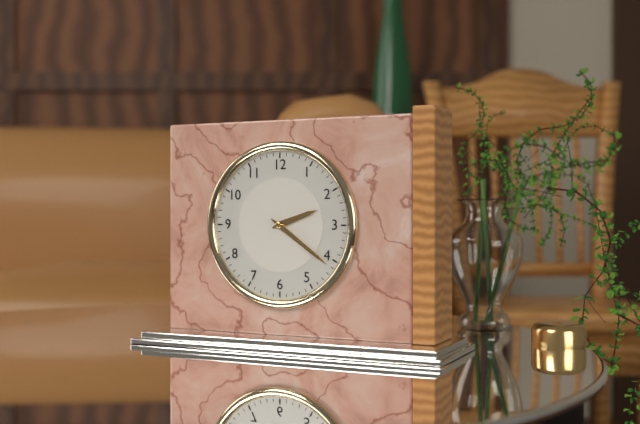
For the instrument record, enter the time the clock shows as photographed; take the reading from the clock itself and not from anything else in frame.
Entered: 2:21
